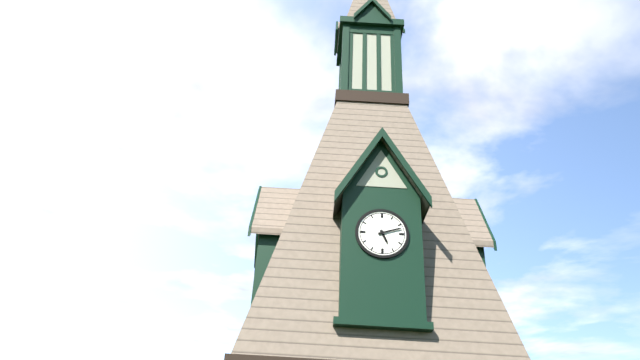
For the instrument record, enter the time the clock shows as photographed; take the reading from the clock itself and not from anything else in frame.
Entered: 5:12
